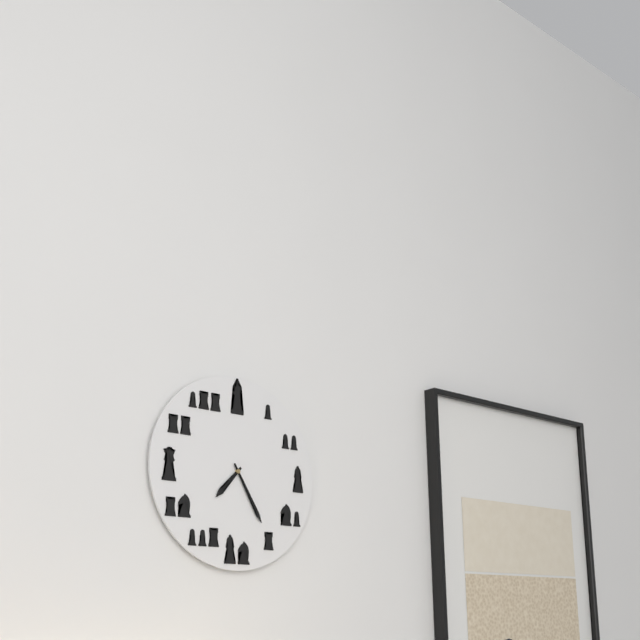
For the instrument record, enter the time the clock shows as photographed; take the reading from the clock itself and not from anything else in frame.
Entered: 7:25
